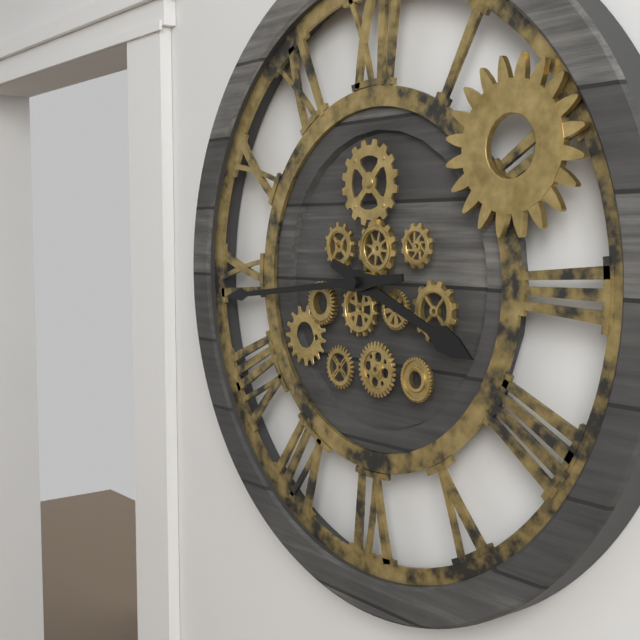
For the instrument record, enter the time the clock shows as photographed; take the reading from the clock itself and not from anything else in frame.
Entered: 3:44
